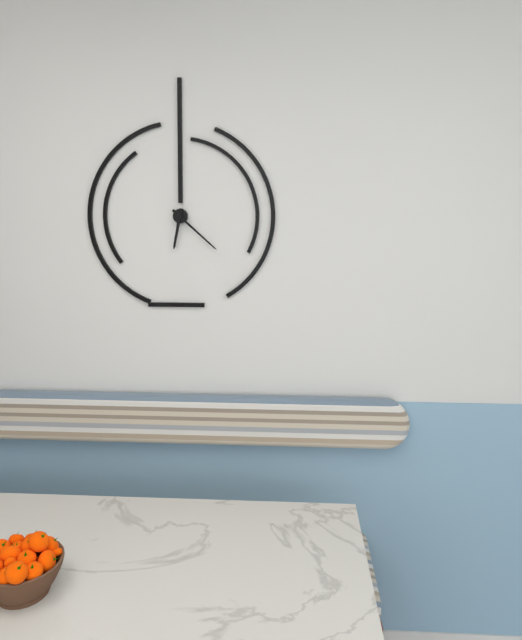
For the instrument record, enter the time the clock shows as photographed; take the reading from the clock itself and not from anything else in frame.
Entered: 6:22
